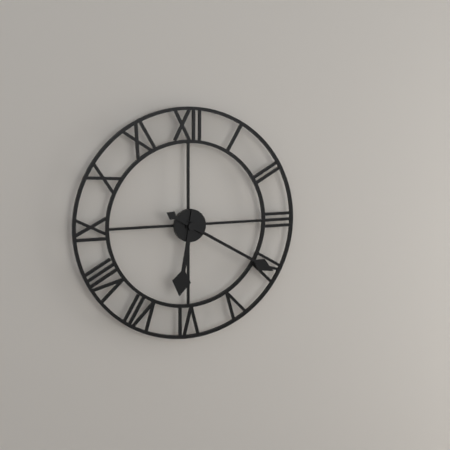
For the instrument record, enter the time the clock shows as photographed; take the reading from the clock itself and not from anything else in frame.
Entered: 6:20
